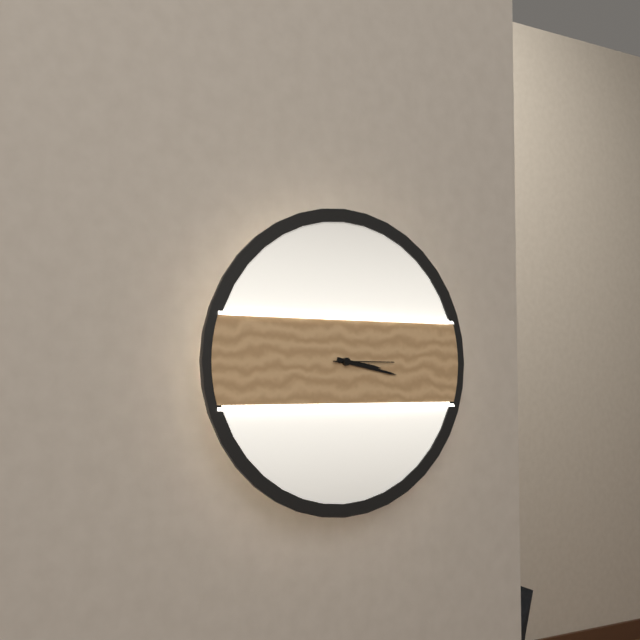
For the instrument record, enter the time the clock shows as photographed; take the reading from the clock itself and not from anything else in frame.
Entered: 3:17:15
